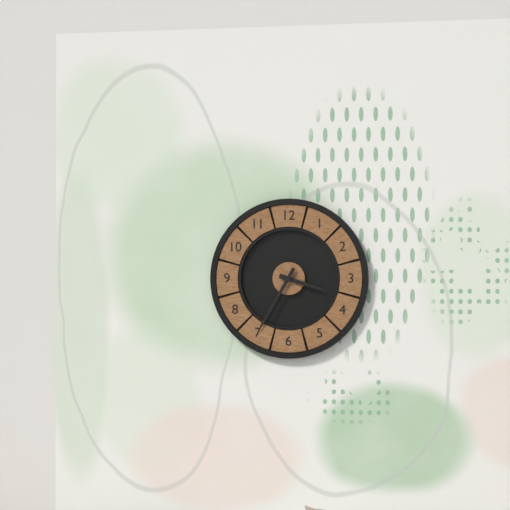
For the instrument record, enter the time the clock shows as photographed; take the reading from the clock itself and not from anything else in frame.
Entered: 3:35
